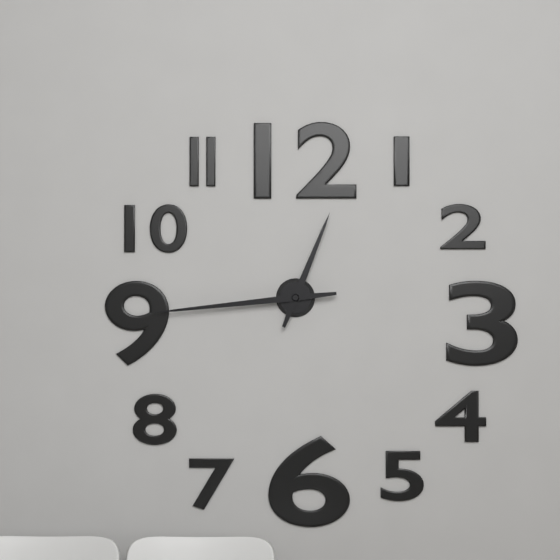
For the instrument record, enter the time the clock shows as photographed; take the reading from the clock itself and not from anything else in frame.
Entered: 12:44
